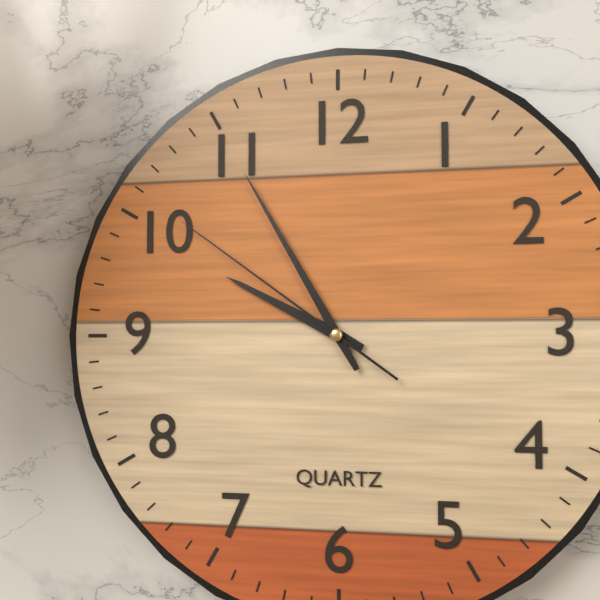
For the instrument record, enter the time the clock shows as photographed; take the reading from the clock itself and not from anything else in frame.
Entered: 9:55:51
